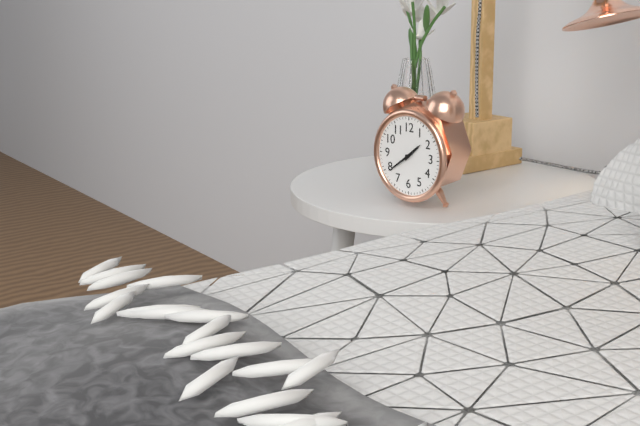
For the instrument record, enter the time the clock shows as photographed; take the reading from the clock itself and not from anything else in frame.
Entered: 1:39
